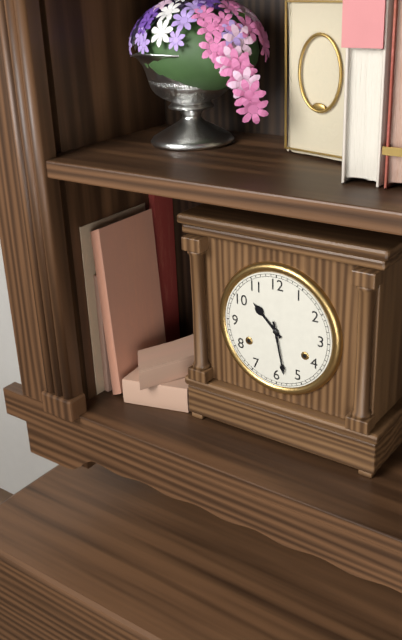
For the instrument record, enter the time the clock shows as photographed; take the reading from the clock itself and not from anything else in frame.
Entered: 10:28
